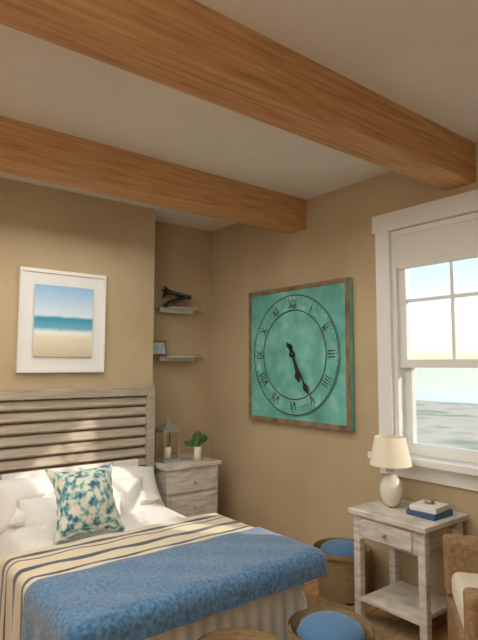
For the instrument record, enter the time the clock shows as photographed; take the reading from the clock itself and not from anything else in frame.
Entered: 5:25
